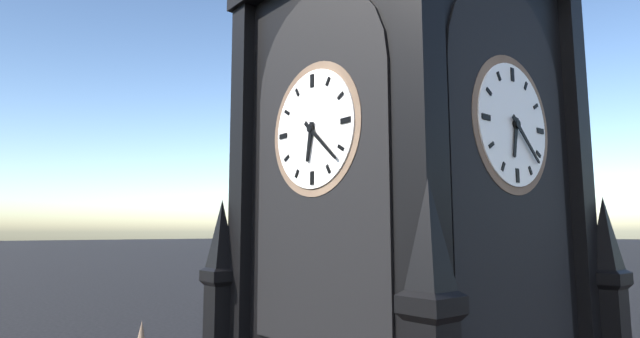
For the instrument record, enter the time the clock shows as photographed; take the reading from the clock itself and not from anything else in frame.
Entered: 6:22
